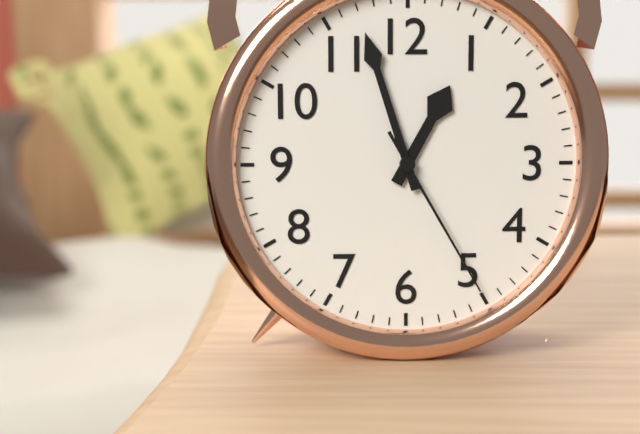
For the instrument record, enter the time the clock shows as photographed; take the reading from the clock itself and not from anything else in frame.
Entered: 12:57:25
